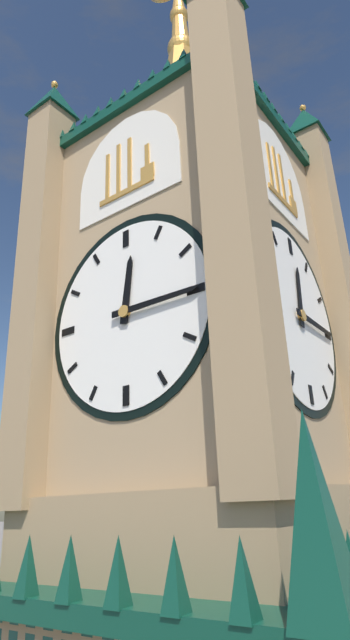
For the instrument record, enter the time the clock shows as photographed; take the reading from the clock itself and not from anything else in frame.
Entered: 12:15
